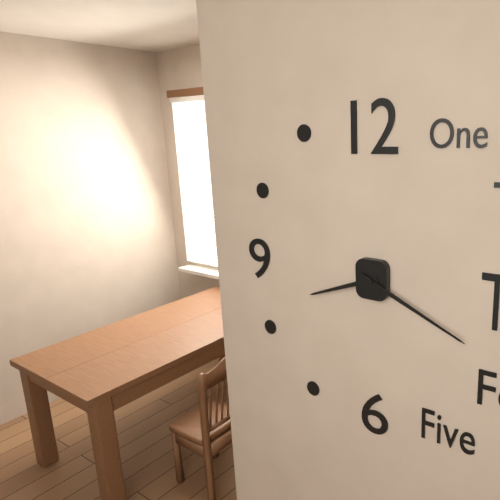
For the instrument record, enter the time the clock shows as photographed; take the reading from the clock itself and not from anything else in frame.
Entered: 8:19
